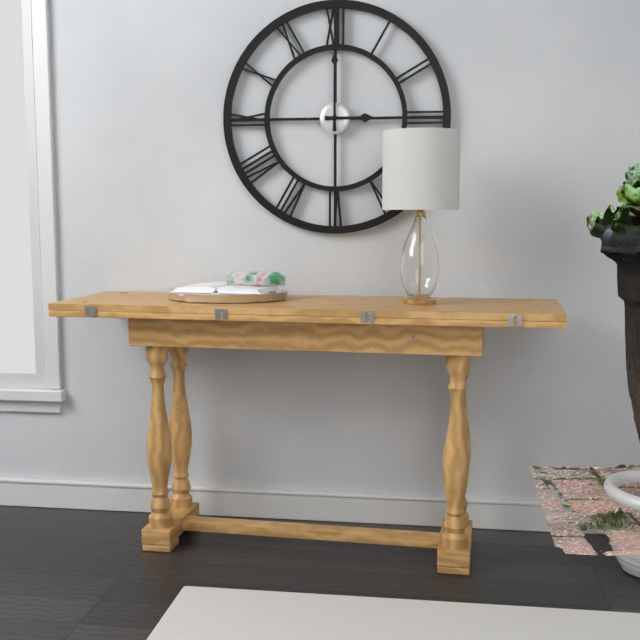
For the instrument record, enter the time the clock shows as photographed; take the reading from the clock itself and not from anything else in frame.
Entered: 3:00
